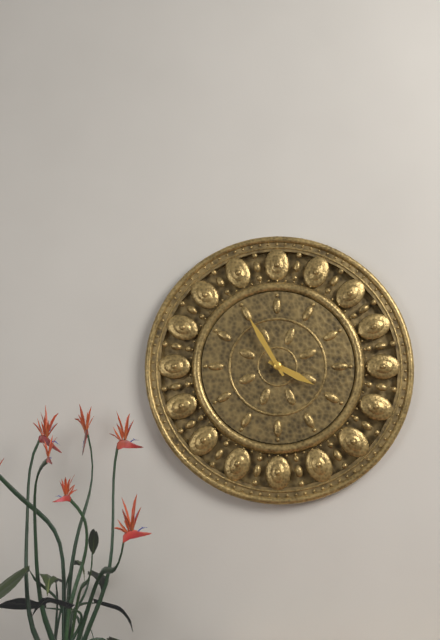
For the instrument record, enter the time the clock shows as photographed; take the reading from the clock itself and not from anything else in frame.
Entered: 3:55
